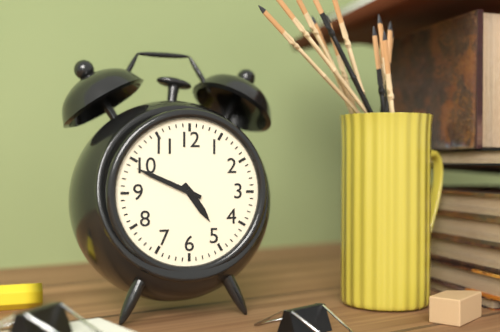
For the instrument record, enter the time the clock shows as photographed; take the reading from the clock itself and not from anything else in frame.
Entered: 4:49
